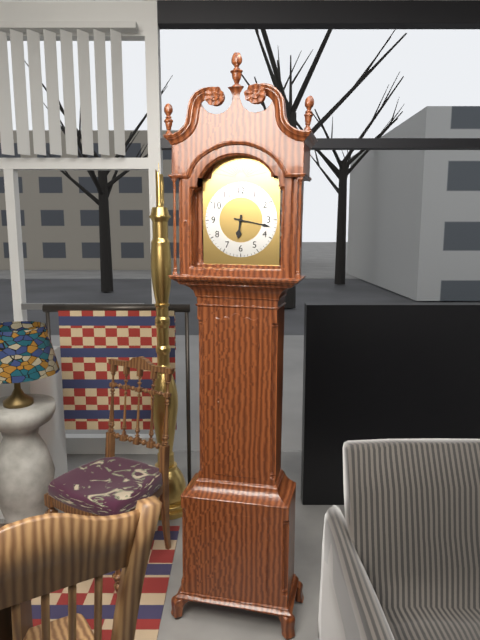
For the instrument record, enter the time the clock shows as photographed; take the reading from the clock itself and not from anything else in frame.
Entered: 6:17
